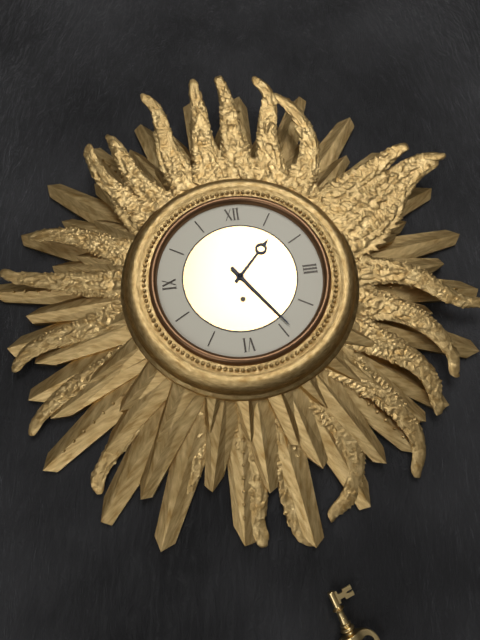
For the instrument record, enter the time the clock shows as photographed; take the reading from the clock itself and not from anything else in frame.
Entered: 1:24
